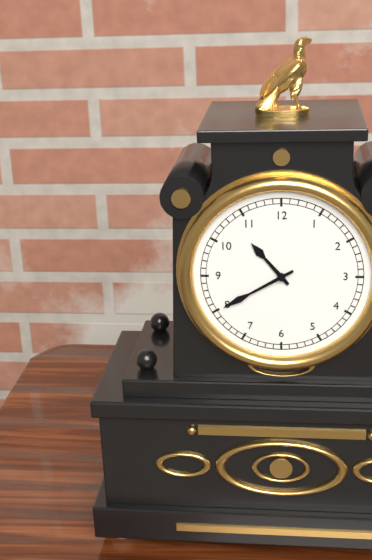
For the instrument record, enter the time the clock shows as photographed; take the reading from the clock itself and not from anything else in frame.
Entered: 10:40
